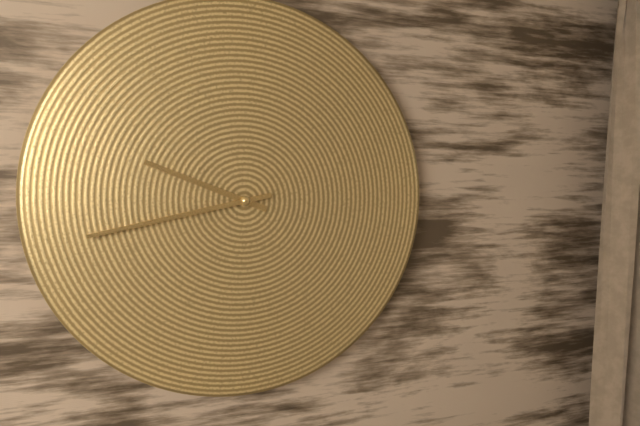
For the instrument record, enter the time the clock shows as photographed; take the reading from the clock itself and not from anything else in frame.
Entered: 9:43
